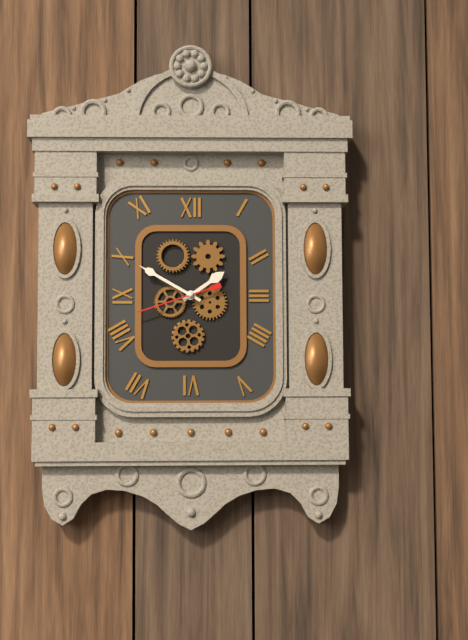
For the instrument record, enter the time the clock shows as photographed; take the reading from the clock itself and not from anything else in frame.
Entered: 1:50:42
